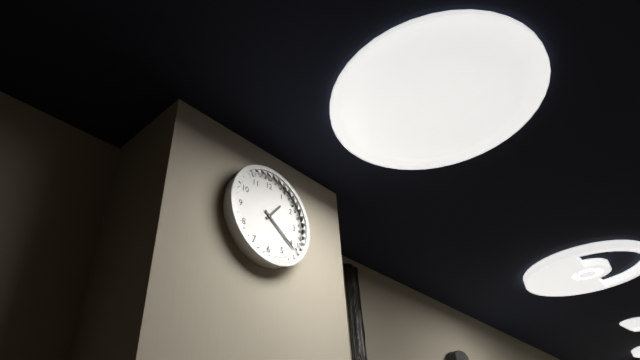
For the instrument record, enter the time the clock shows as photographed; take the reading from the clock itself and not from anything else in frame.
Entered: 1:21
